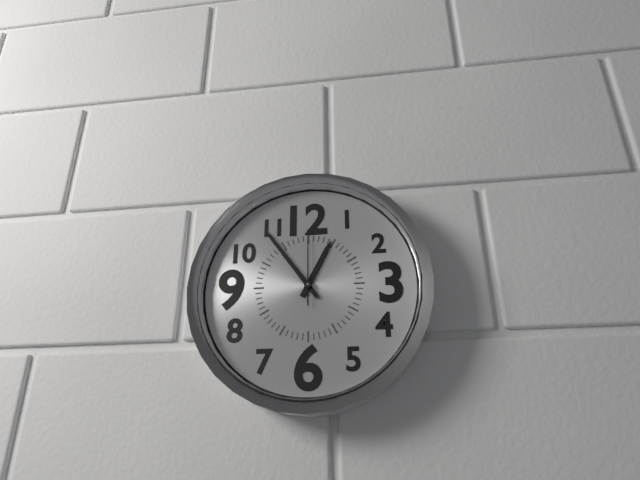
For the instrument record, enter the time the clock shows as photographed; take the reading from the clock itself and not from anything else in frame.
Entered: 12:54:00
